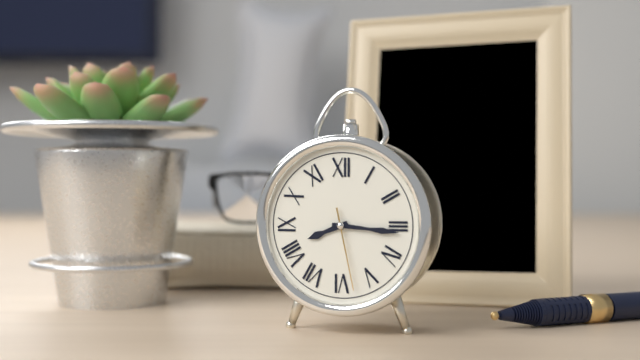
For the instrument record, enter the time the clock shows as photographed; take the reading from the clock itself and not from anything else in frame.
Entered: 8:16:28
